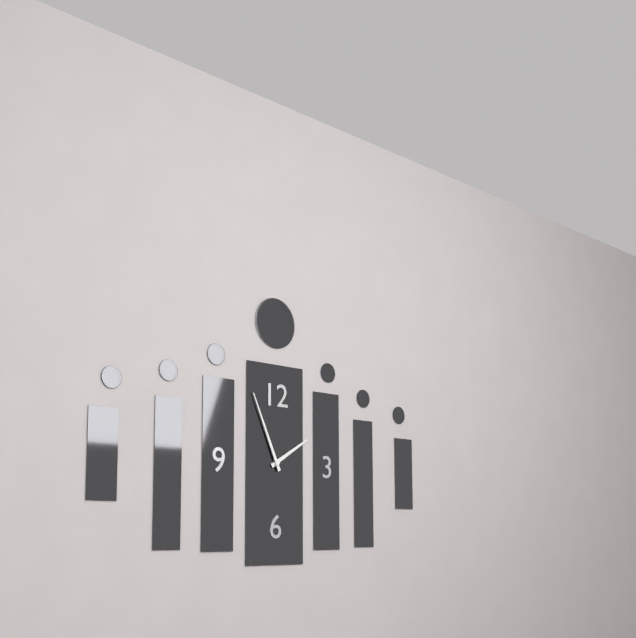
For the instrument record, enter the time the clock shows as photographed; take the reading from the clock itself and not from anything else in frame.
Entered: 1:56
